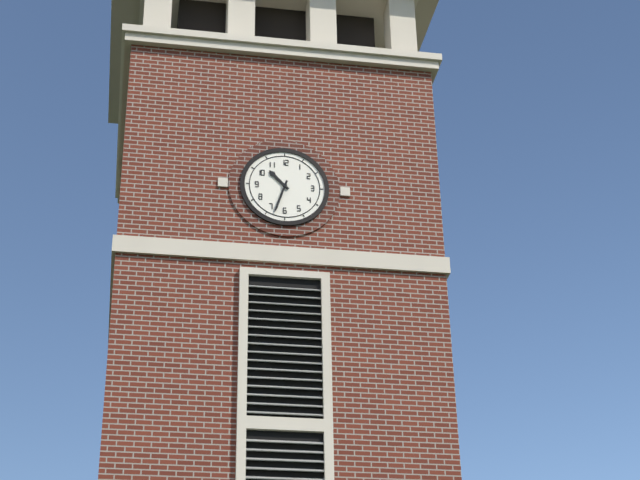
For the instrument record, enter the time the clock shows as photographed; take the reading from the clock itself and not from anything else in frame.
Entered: 10:33
